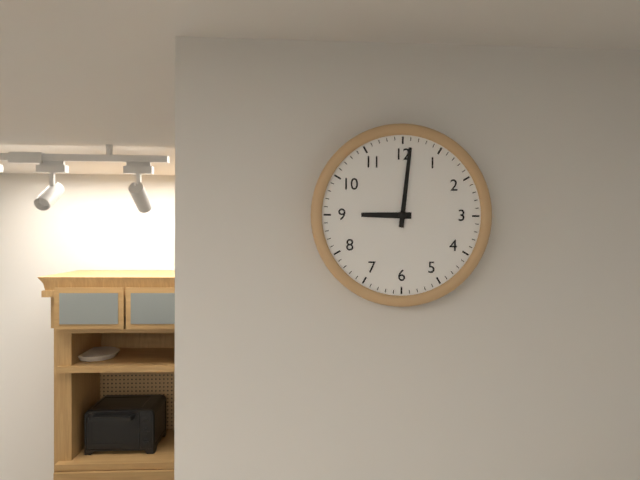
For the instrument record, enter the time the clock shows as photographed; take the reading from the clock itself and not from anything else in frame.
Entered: 9:01
